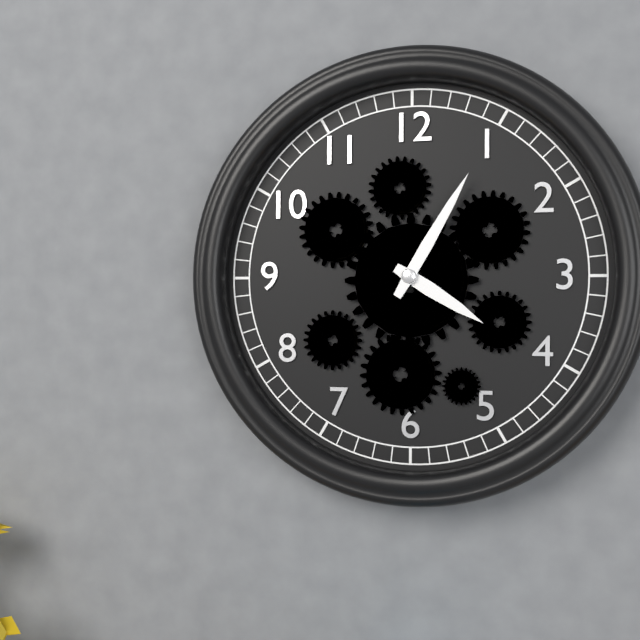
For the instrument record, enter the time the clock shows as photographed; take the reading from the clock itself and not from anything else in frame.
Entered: 4:05
